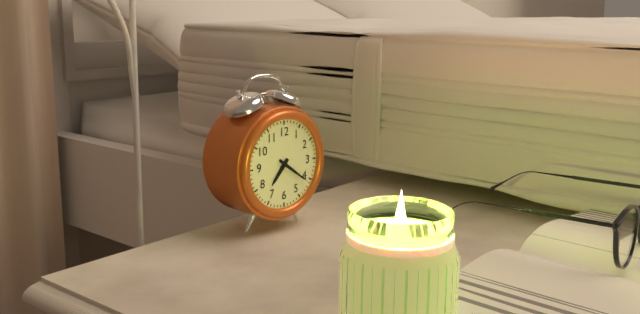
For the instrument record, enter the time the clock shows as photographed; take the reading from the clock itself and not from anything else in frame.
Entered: 7:21
